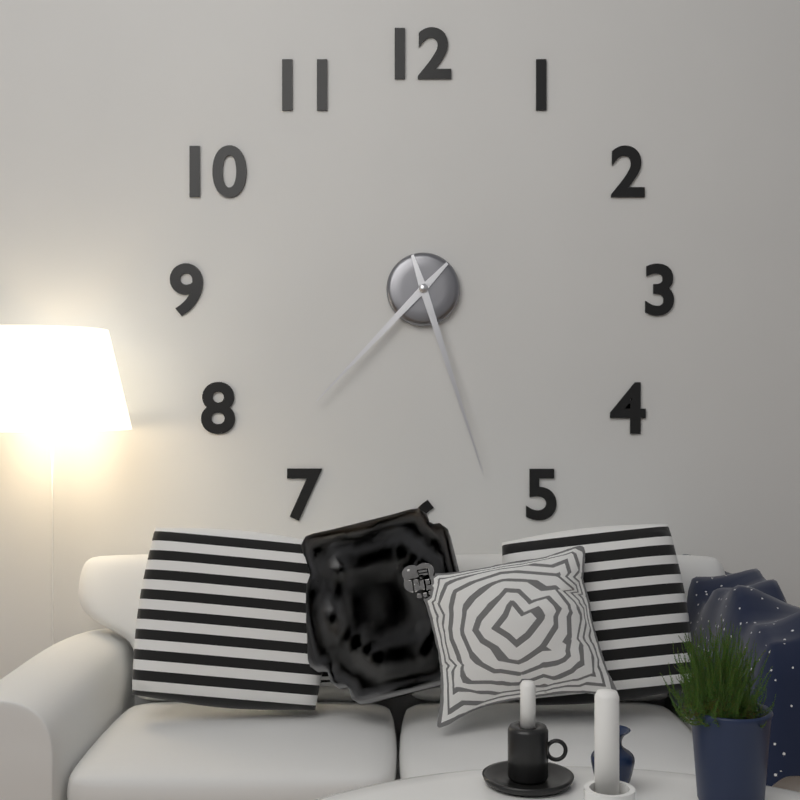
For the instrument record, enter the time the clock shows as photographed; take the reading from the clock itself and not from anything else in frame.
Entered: 7:27
